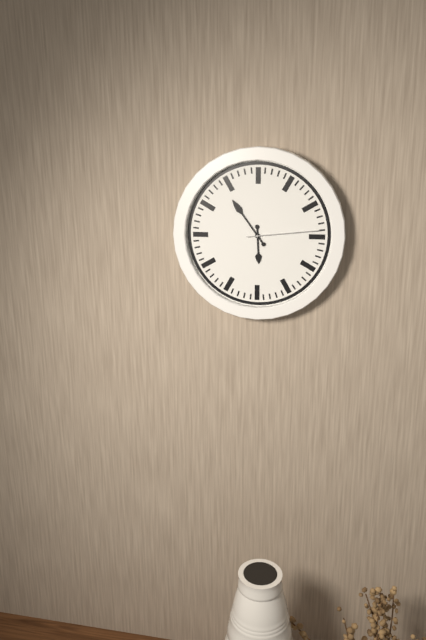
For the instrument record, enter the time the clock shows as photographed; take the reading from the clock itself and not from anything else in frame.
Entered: 5:54:14
